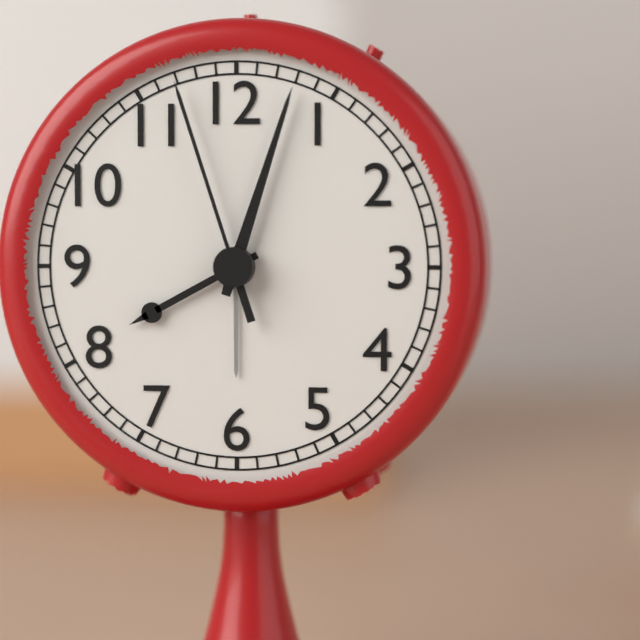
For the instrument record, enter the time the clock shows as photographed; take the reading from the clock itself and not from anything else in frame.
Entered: 8:03:57
